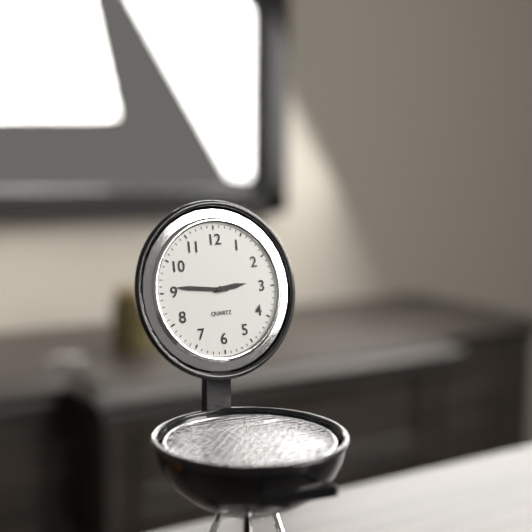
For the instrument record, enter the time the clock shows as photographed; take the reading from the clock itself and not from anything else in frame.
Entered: 2:46
